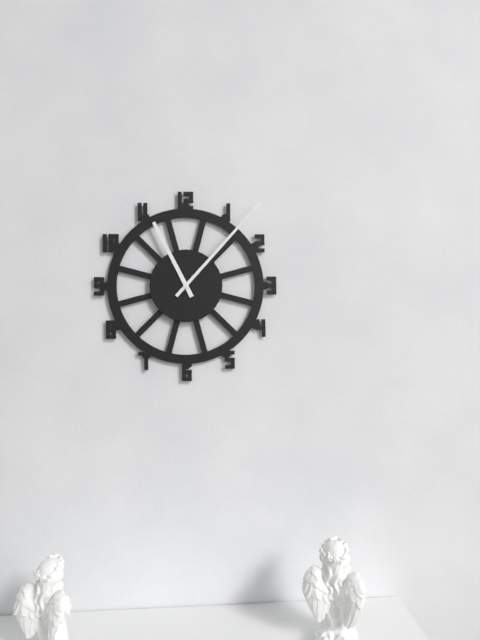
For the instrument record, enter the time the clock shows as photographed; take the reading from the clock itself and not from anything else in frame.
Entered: 11:07
